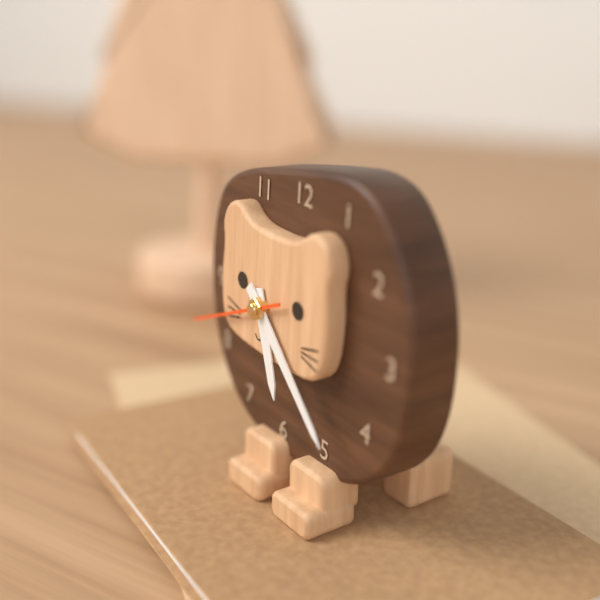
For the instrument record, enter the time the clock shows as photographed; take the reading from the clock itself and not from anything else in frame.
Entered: 5:22:41
